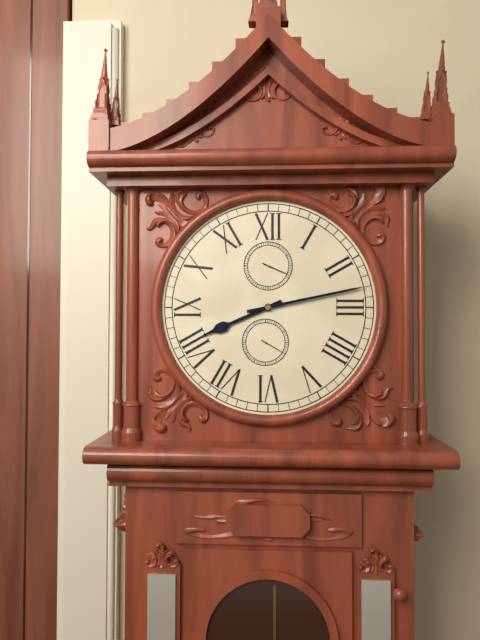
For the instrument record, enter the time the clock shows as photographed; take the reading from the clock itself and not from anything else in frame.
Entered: 8:13
